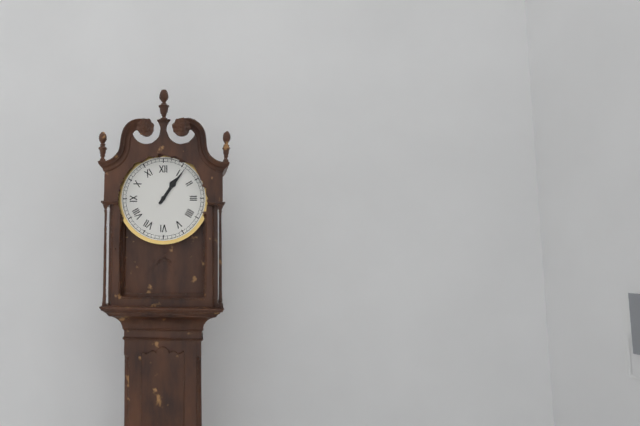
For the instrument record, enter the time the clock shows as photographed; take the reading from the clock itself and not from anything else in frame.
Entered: 1:06
